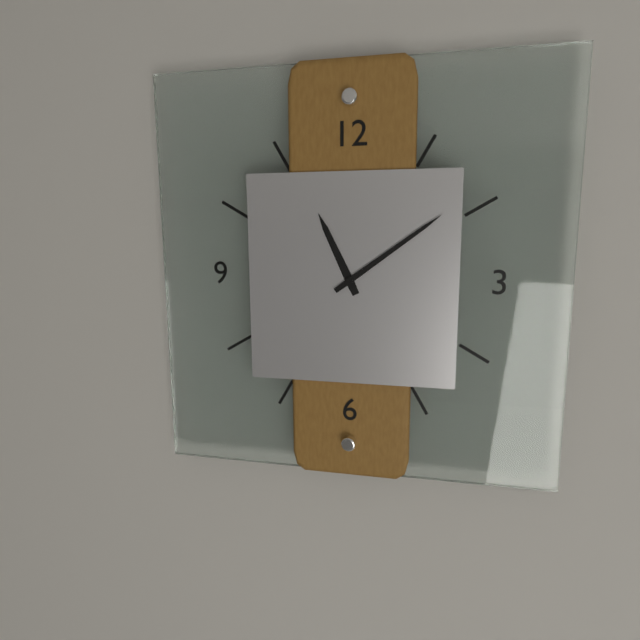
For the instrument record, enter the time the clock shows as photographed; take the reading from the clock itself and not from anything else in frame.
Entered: 11:09
